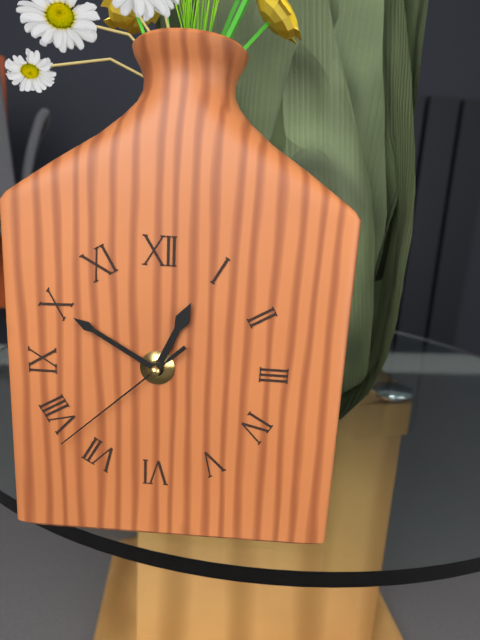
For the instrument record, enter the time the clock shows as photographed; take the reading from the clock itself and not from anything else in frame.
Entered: 12:50:38
